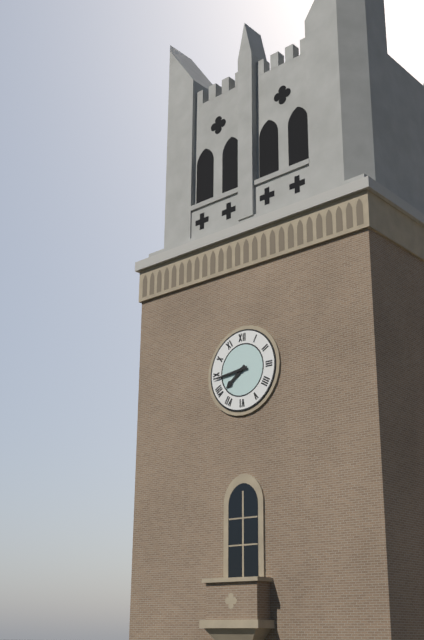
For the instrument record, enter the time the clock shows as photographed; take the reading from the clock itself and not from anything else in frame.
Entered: 7:44
